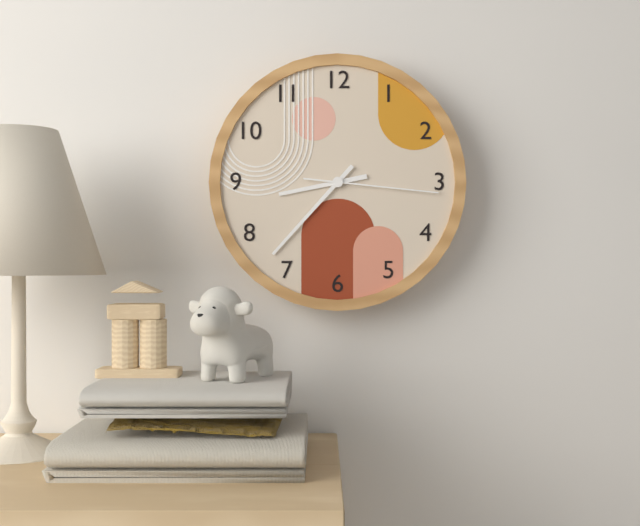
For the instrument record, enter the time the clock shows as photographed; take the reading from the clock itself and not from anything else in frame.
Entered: 8:37:16
